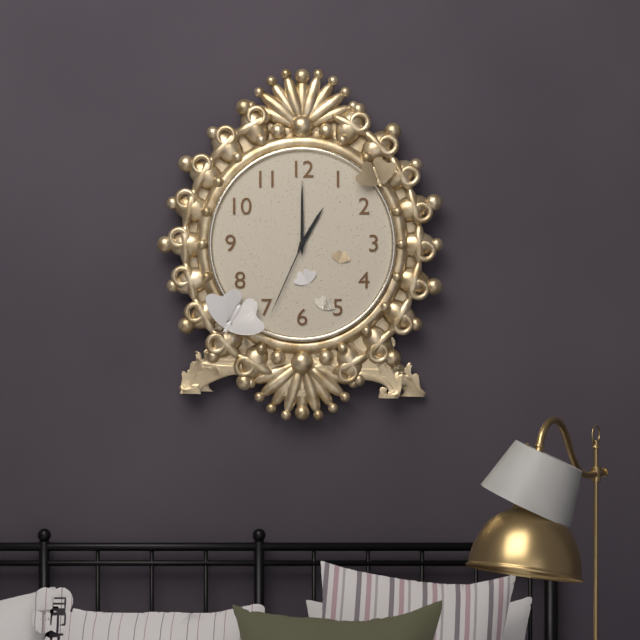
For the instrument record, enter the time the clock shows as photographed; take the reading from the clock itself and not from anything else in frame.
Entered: 1:00:34
